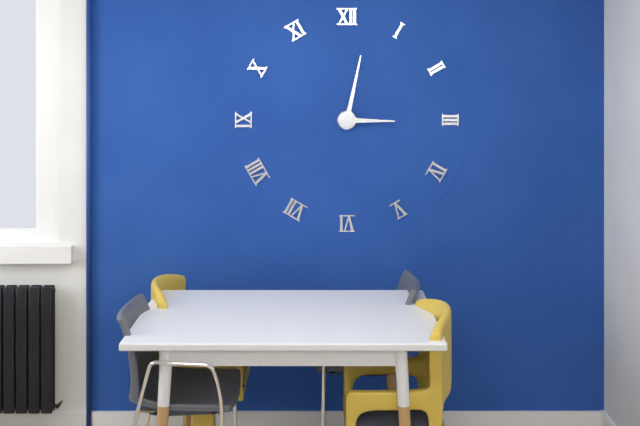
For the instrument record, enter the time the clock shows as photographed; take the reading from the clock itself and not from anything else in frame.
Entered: 3:02
